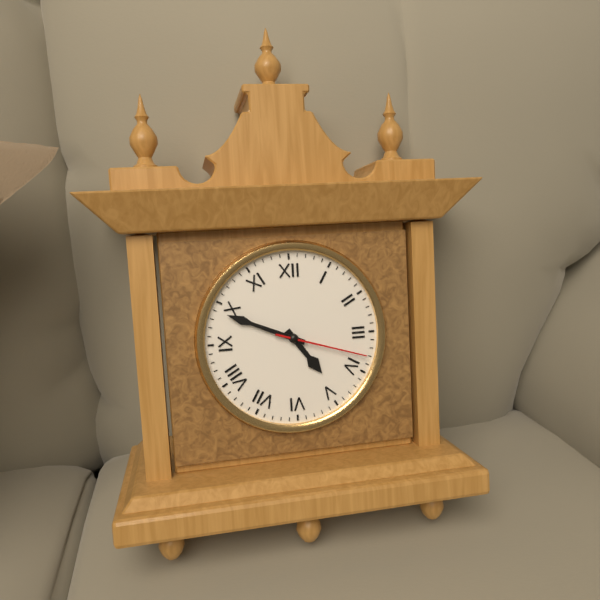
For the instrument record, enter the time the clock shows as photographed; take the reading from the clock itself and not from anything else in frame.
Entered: 4:49:18
